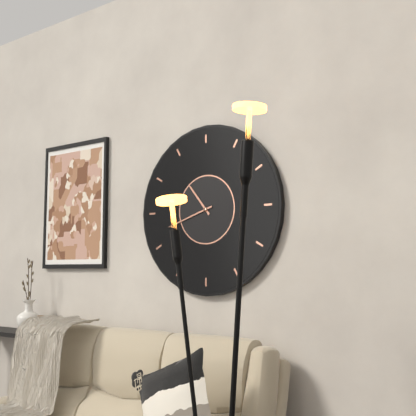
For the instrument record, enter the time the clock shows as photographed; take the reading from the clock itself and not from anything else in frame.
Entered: 10:42
